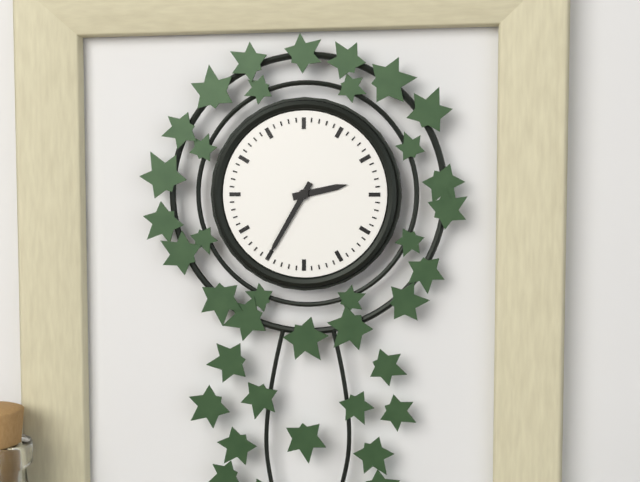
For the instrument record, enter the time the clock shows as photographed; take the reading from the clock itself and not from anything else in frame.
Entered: 2:35
